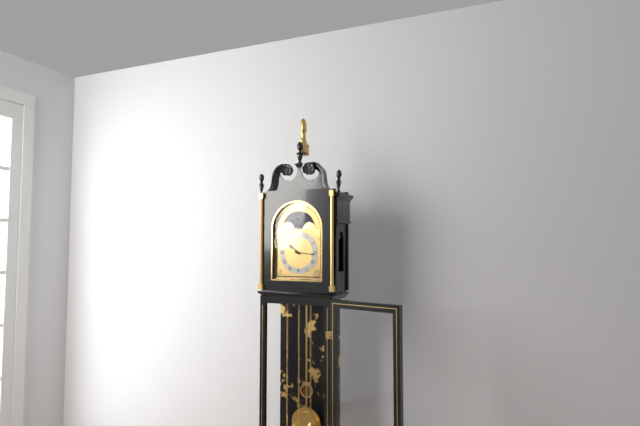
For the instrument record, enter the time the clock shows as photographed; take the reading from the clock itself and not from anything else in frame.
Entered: 10:16
